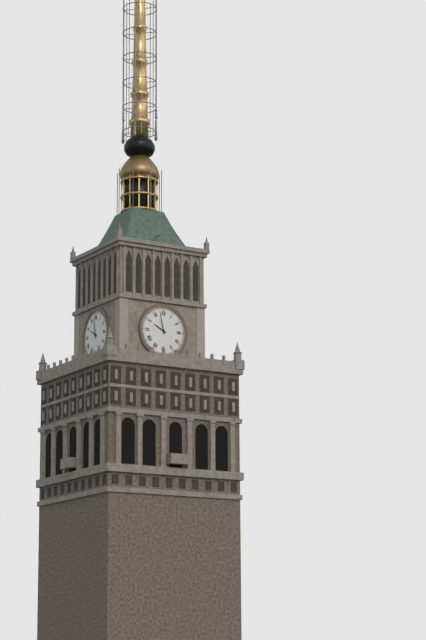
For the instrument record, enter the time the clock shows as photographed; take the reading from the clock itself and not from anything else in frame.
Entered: 9:58
